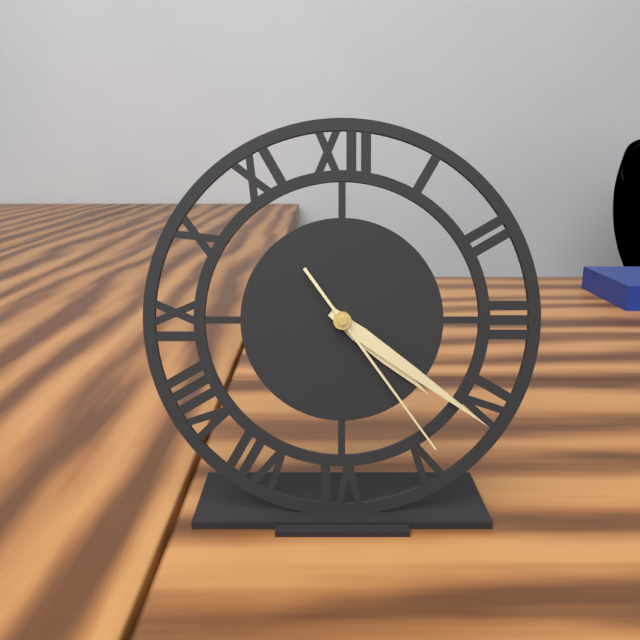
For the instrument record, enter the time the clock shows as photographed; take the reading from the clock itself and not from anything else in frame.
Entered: 4:21:24
